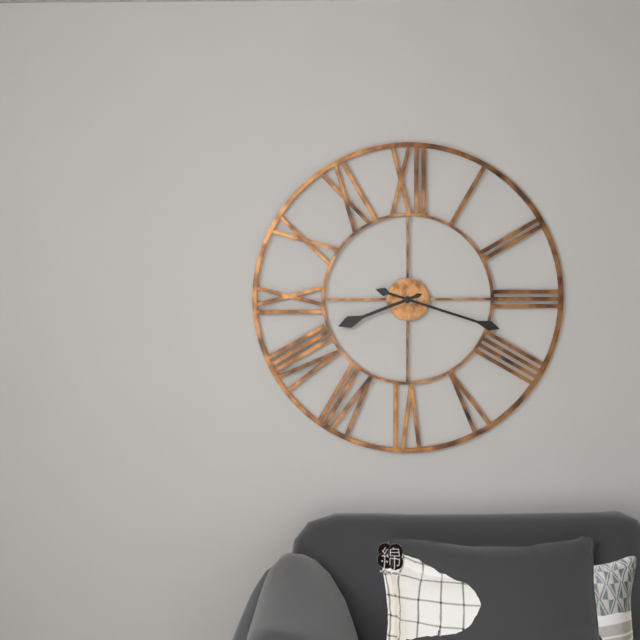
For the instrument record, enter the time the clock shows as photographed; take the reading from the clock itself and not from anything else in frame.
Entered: 8:18
